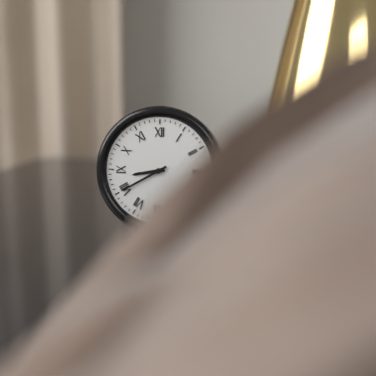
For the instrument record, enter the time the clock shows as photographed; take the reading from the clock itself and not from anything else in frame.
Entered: 8:40
